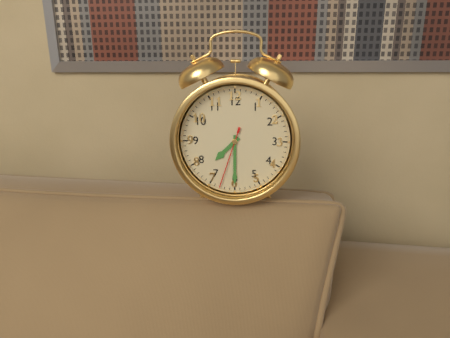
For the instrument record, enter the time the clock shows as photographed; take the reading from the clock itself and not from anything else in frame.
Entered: 7:30:33
